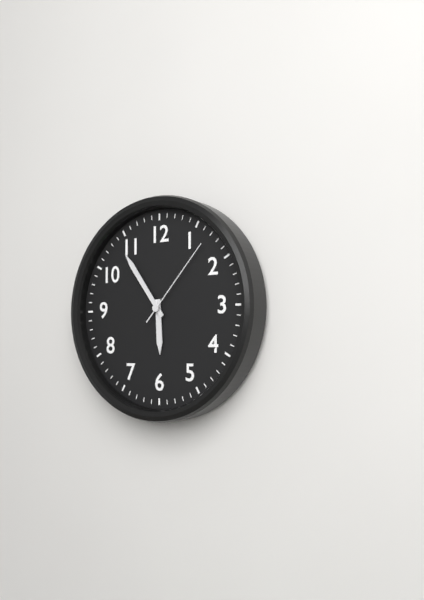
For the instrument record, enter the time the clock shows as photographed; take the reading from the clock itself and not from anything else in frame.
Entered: 5:54:07
